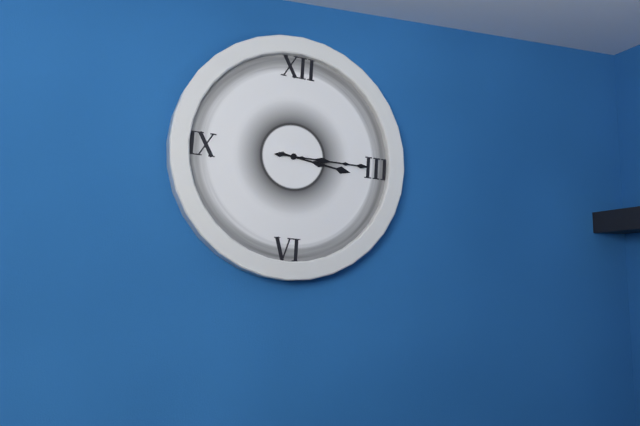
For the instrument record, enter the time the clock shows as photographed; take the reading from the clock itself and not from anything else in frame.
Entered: 3:15
